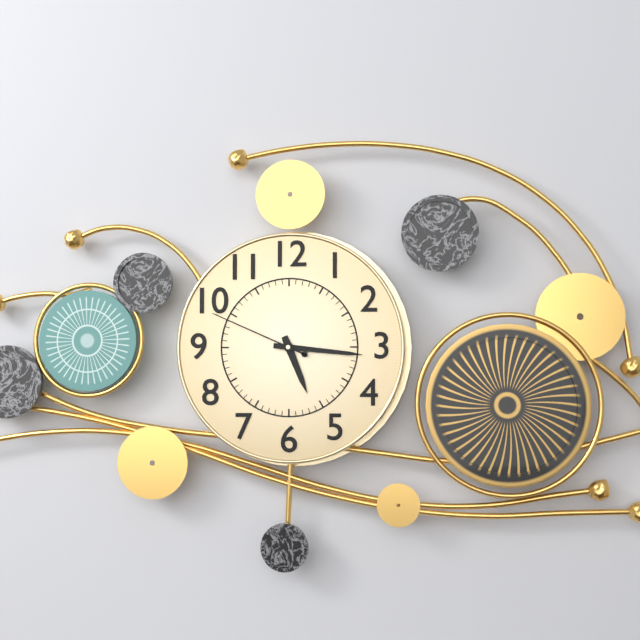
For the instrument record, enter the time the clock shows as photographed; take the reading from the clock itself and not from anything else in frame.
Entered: 5:16:49
